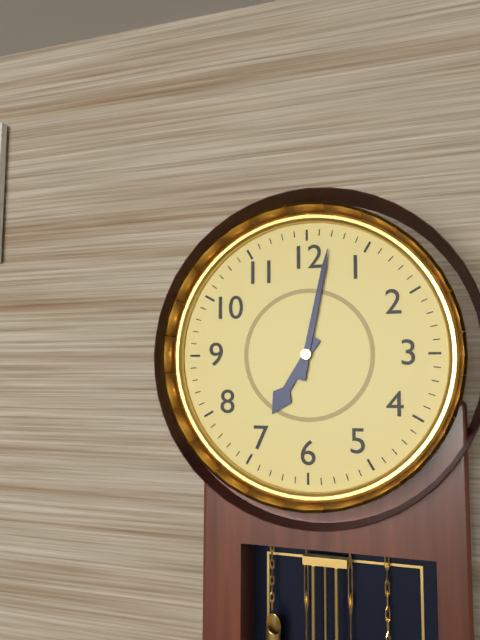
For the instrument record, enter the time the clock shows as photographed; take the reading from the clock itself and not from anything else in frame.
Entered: 7:02
